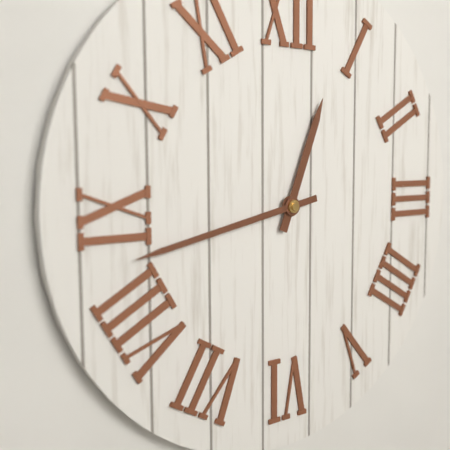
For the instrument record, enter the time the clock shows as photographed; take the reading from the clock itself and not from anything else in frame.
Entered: 12:43
